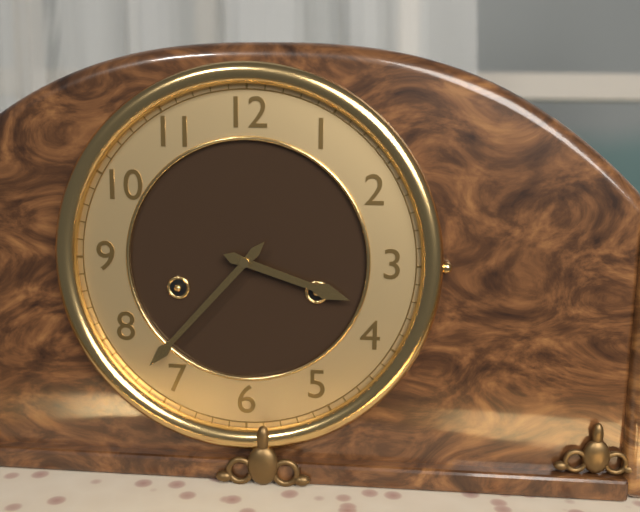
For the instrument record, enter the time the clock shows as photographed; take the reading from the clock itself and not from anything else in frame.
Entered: 3:37
